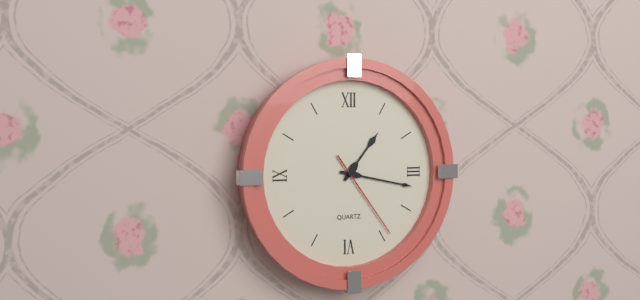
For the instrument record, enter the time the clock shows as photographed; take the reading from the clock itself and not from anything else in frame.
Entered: 1:17:24
